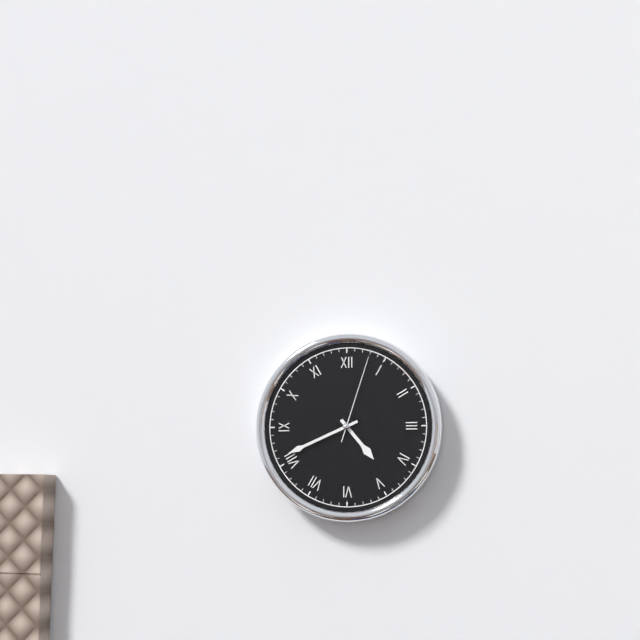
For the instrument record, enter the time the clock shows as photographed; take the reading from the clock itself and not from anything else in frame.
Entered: 4:41:03
